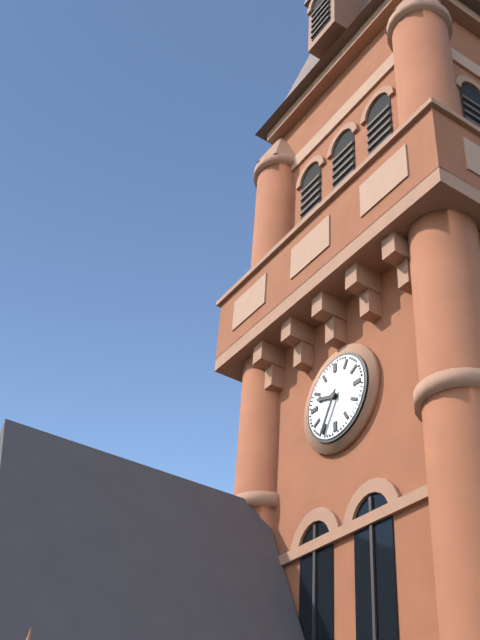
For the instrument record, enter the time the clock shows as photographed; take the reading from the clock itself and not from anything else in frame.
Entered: 9:35
